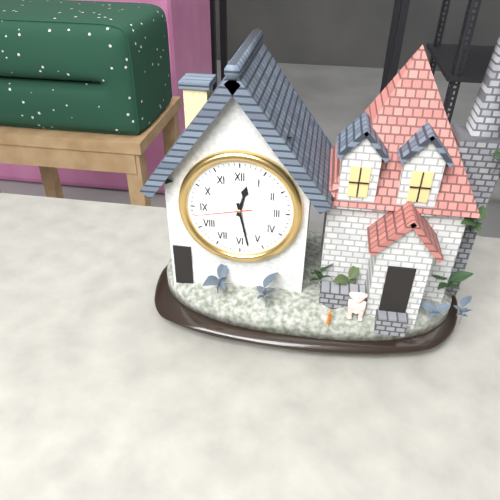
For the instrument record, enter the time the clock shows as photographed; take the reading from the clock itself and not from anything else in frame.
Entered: 12:28:43
